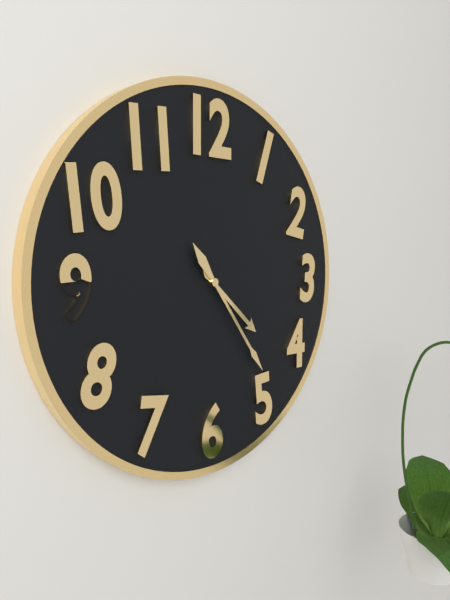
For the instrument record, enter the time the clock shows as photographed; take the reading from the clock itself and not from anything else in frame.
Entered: 4:24
